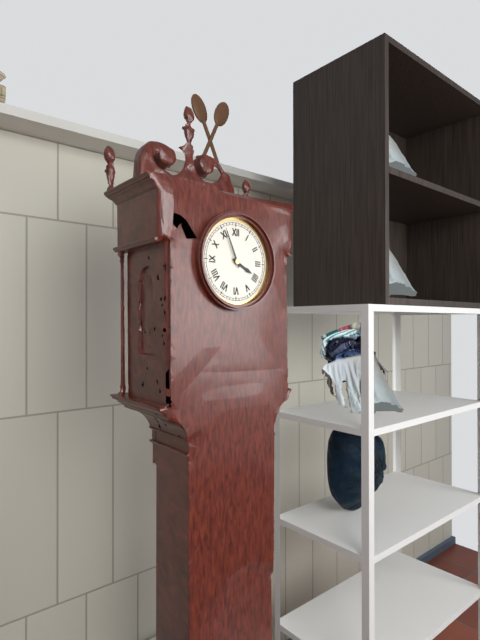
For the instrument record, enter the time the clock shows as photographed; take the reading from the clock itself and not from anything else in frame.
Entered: 3:56
